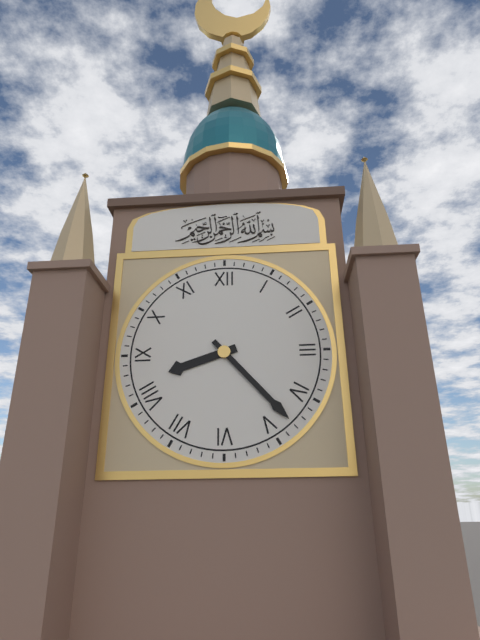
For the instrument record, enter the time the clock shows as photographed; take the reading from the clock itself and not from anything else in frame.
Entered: 8:23
